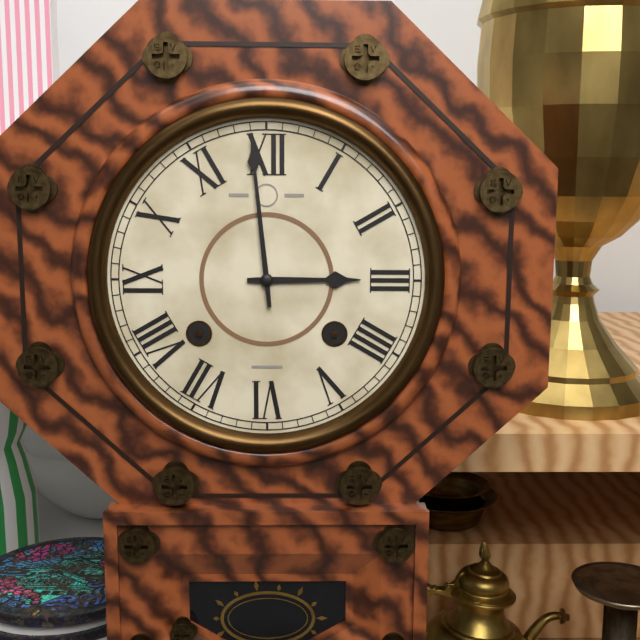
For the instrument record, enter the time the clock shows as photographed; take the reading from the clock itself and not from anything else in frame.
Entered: 2:59
